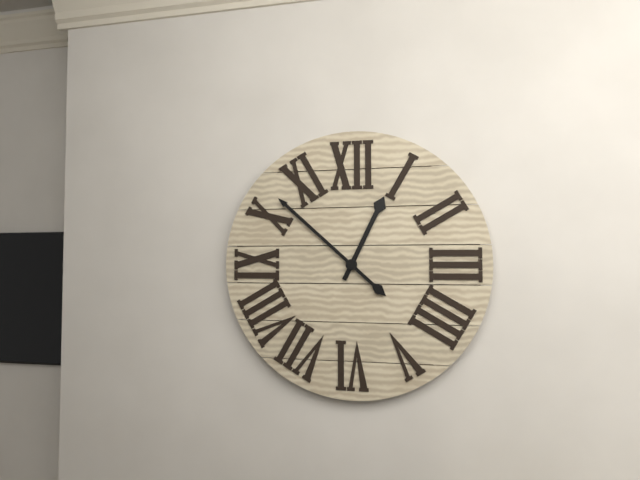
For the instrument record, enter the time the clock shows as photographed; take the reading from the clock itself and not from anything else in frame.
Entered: 12:52
